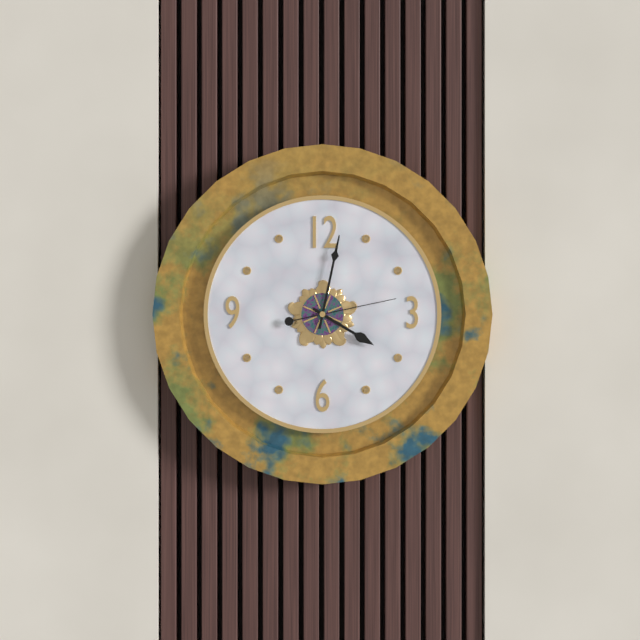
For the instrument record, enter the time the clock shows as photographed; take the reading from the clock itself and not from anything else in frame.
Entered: 4:02:13
